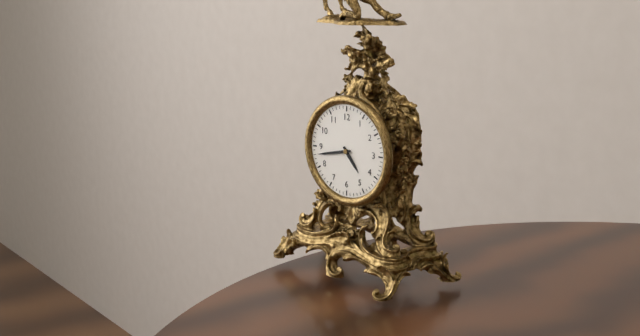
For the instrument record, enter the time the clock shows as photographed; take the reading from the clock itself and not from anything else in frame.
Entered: 4:43
